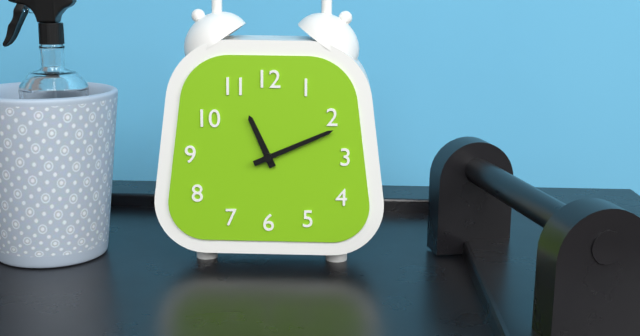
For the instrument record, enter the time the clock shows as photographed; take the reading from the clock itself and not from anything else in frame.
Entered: 11:11
